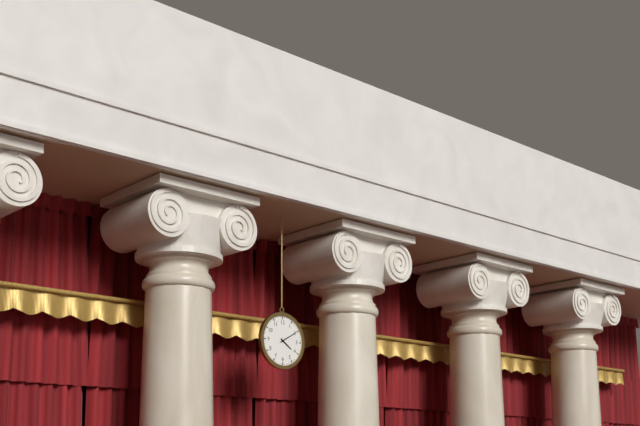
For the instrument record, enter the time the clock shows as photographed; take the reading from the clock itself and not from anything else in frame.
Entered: 4:10
